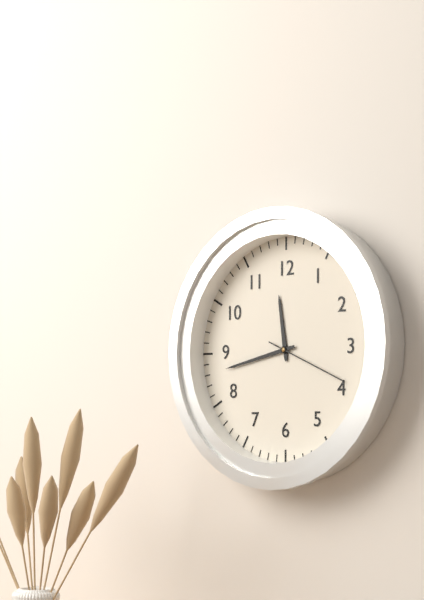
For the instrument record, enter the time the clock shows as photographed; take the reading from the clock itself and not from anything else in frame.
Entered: 11:43:19
